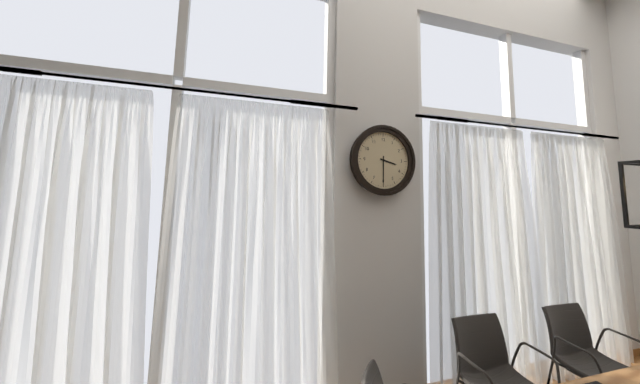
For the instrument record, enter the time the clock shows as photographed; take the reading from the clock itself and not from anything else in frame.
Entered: 3:30
